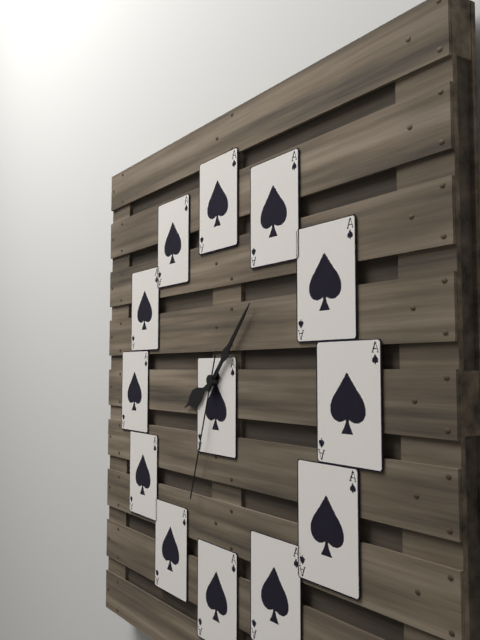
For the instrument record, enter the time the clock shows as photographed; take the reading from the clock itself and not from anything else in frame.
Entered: 8:07:33
